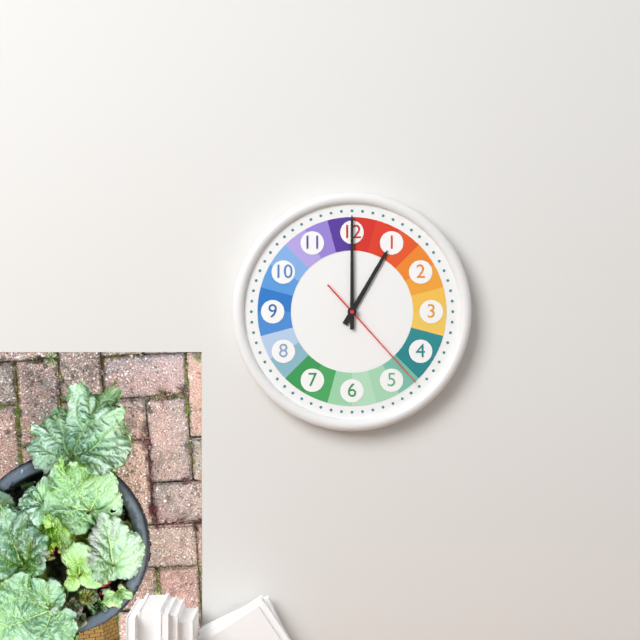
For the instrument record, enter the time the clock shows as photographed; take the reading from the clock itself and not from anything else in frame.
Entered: 1:00:23
